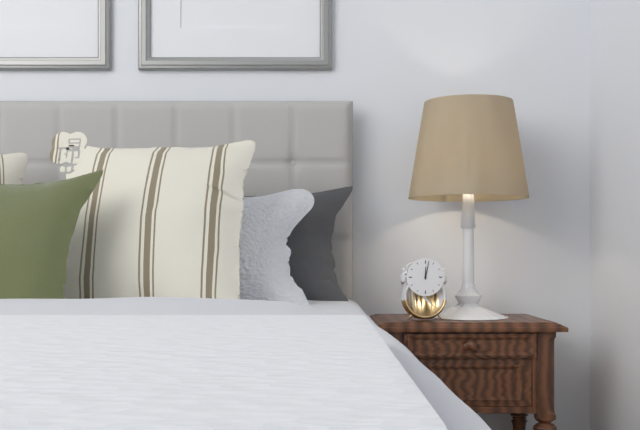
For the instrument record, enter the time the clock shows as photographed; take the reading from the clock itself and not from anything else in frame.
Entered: 12:02
